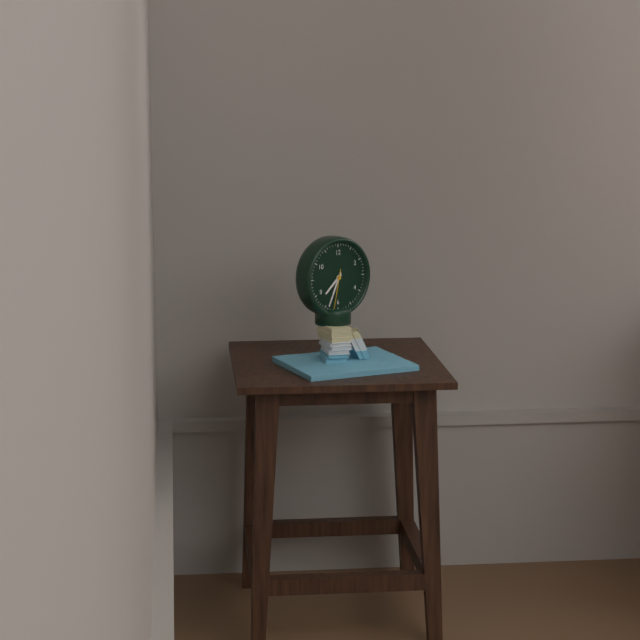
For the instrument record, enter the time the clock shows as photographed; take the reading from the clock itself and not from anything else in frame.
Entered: 7:34
